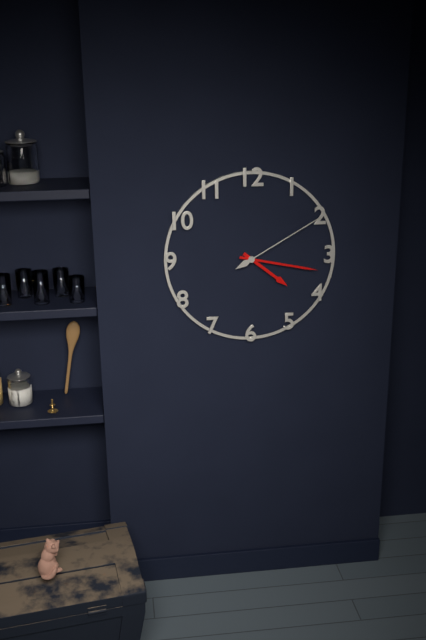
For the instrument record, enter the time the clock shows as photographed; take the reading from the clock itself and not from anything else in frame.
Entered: 4:17:10
